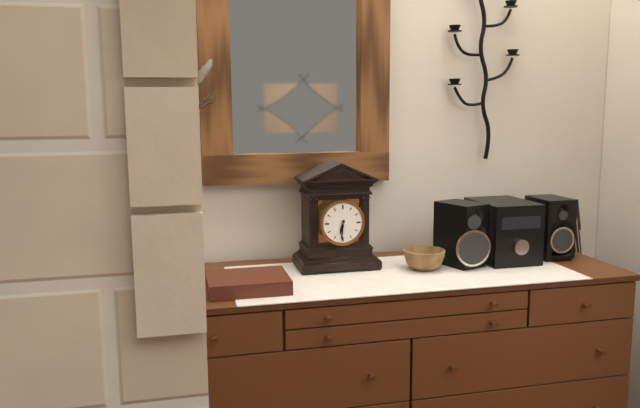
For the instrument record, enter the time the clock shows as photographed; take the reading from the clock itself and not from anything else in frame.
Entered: 6:31
